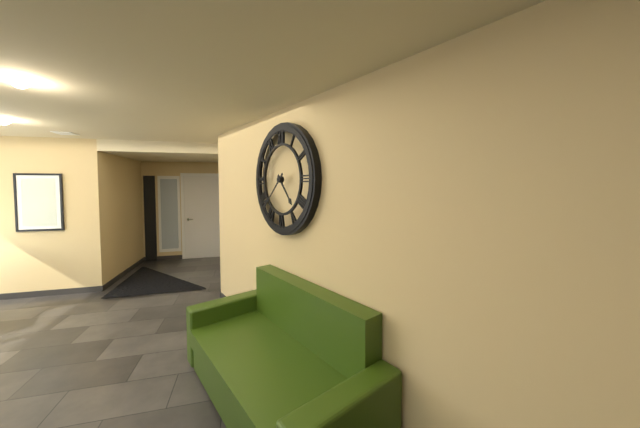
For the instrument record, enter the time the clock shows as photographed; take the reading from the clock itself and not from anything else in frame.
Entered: 4:38
